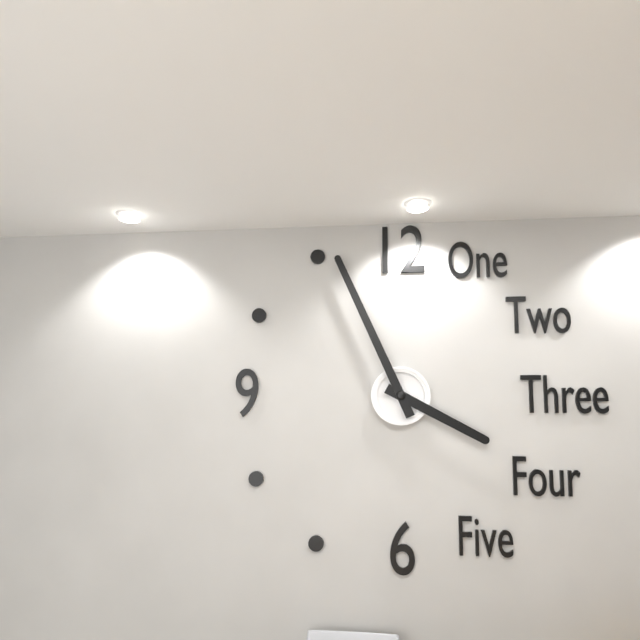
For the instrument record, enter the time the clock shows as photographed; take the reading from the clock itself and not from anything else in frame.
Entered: 3:56
